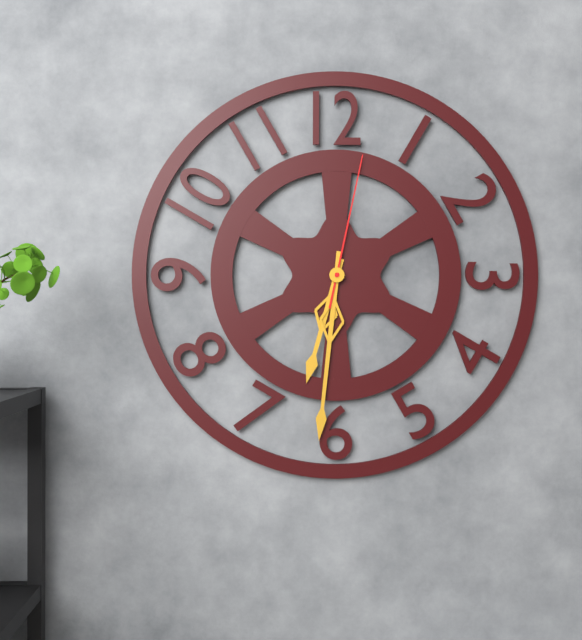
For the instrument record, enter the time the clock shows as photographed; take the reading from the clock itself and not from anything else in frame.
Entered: 6:31:02
